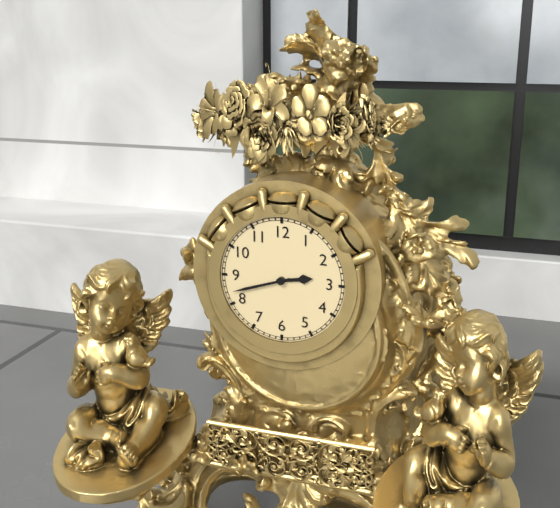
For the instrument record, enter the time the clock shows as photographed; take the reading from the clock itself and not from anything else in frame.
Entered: 2:42
